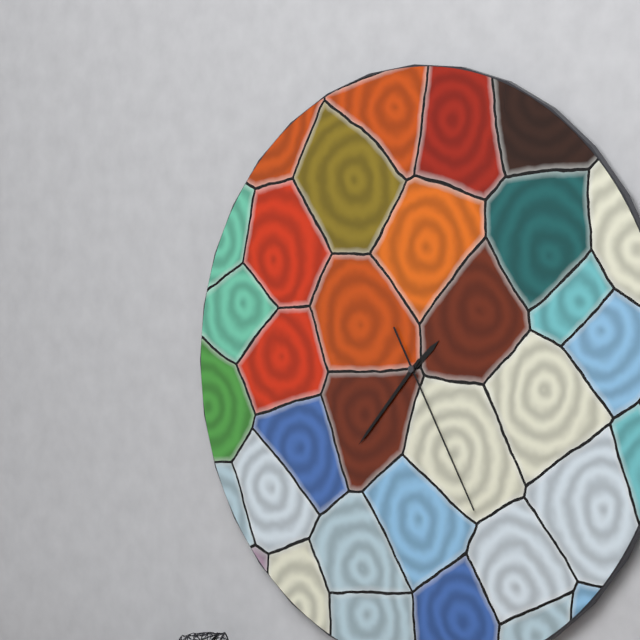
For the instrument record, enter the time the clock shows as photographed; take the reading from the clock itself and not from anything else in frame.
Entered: 1:37:25
